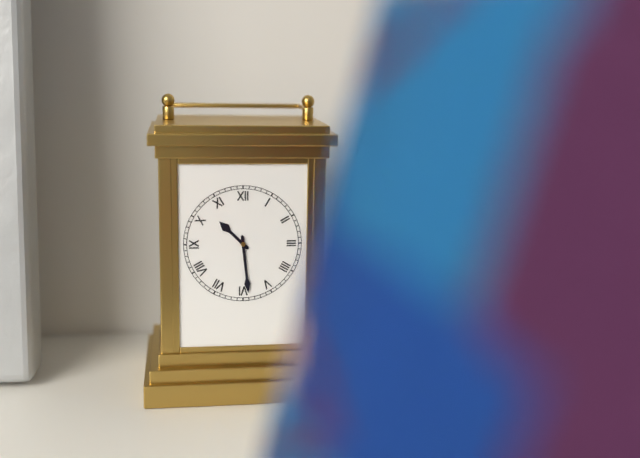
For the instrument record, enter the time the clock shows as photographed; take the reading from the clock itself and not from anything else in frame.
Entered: 10:29
